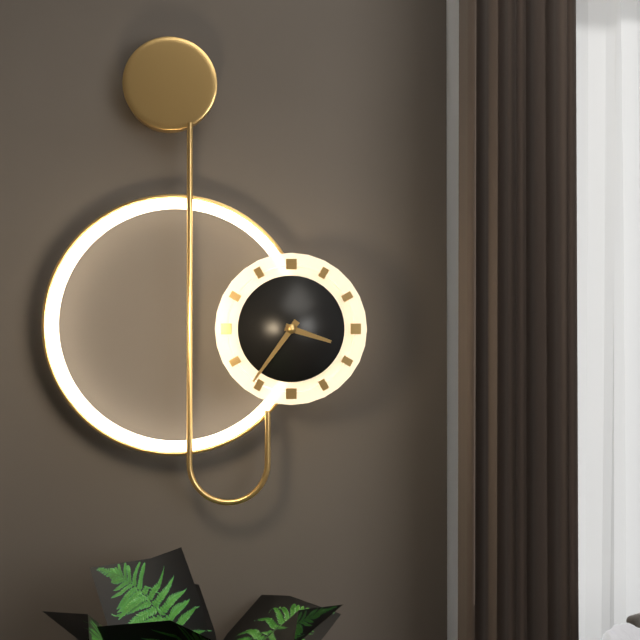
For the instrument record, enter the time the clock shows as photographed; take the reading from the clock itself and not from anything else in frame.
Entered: 3:36
